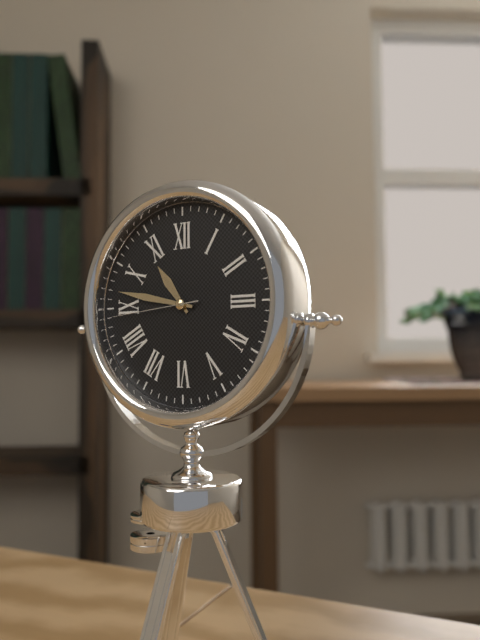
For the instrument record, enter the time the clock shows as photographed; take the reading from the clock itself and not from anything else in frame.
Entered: 10:47:44
